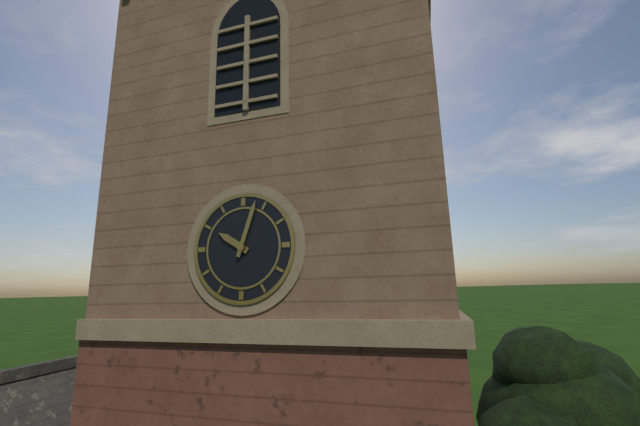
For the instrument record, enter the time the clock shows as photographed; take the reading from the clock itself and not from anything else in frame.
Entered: 10:03
